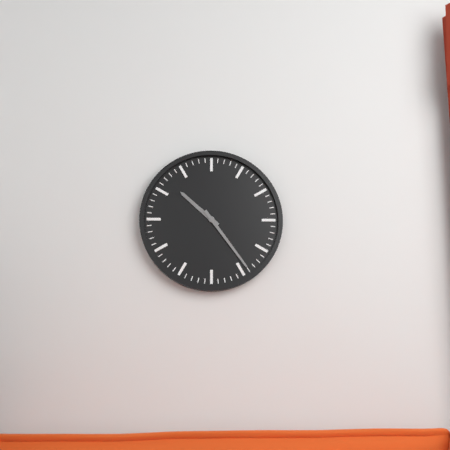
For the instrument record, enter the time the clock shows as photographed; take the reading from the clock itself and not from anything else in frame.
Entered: 10:24
